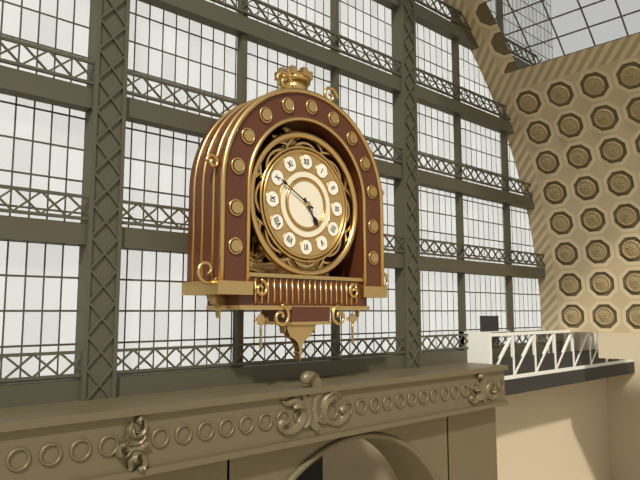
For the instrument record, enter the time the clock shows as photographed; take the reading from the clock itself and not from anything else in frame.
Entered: 4:50
